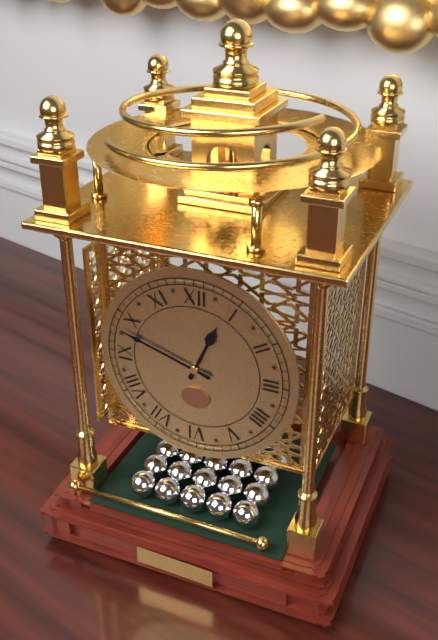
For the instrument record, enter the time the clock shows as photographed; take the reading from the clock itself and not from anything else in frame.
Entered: 12:48
